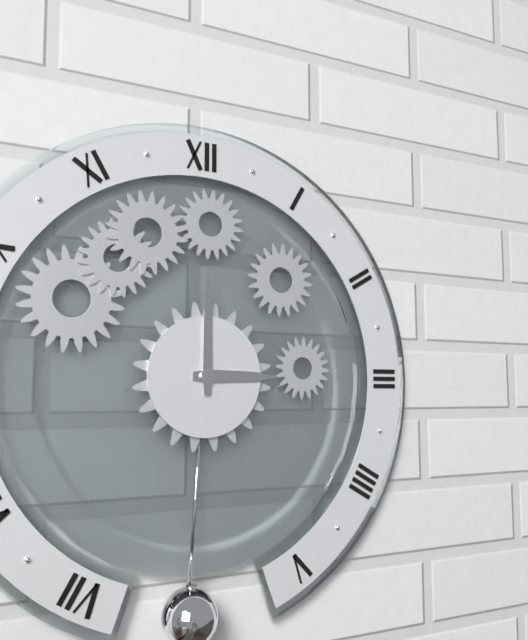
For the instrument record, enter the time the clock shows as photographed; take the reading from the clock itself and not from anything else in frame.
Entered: 3:00
